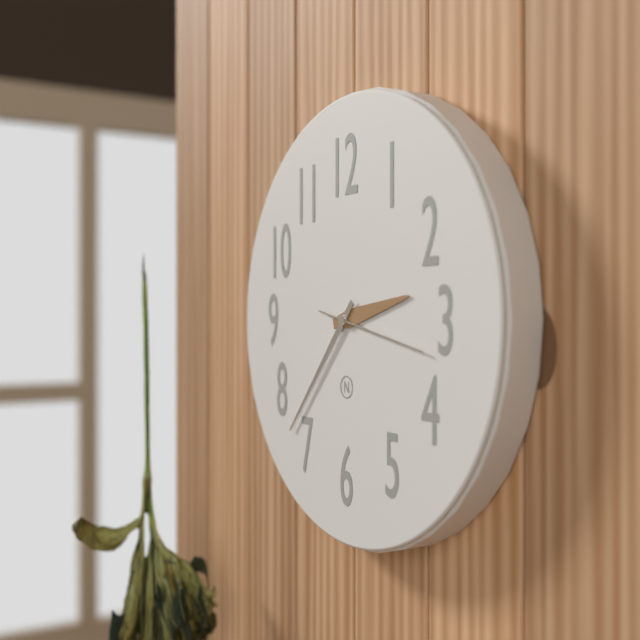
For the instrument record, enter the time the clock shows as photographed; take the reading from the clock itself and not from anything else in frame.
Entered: 2:37:17
